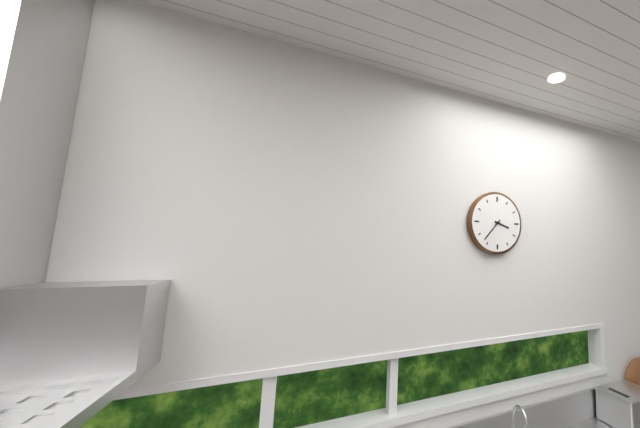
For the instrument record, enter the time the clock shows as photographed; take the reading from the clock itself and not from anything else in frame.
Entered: 3:37
